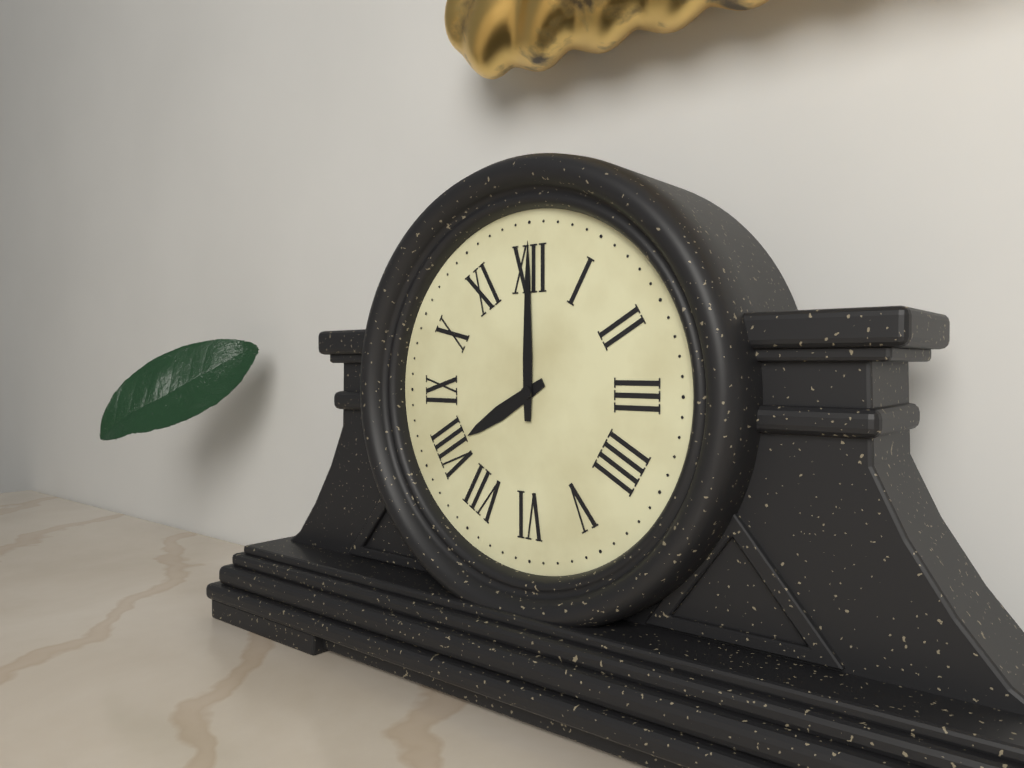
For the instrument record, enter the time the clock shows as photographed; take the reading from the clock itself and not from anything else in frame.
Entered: 8:00
